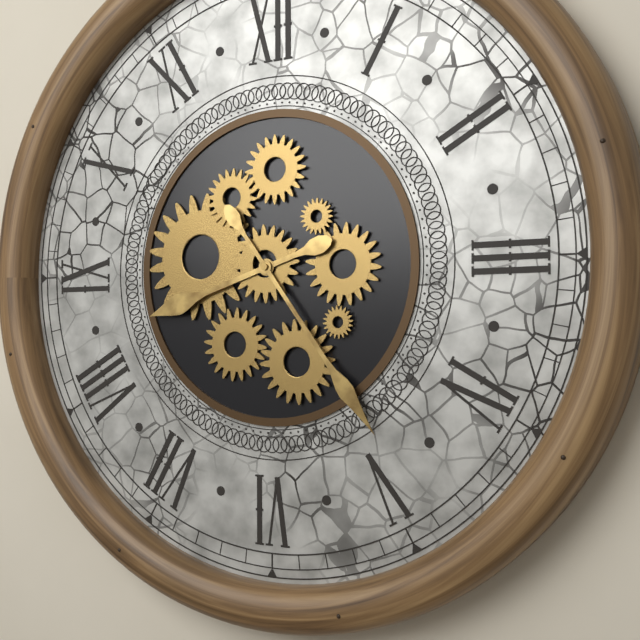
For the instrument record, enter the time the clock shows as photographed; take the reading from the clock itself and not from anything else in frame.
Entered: 8:24
